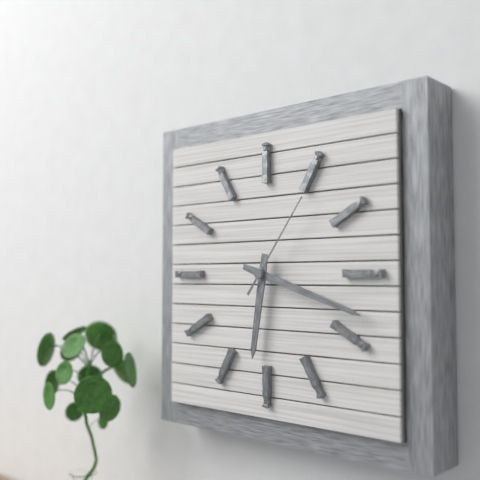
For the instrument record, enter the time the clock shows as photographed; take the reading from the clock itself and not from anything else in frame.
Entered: 6:18:06
